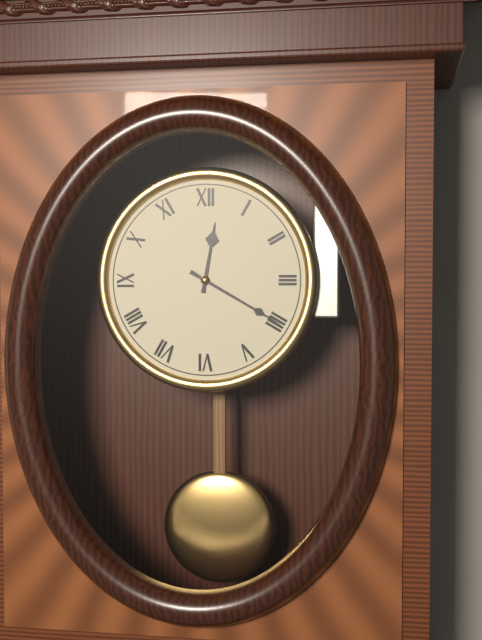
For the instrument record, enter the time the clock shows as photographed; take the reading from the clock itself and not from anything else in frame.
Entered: 12:20
